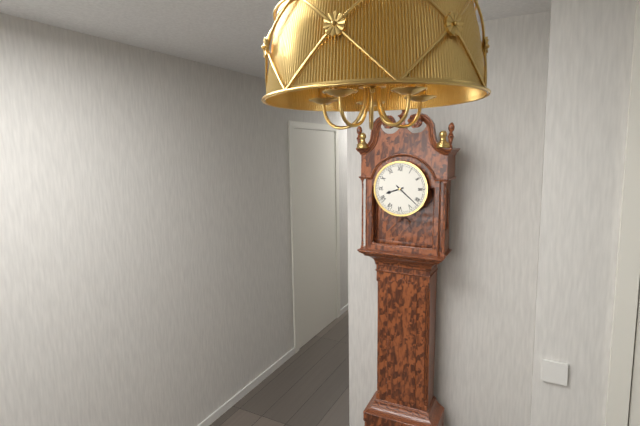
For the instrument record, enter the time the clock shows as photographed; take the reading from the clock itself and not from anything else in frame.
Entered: 8:22
